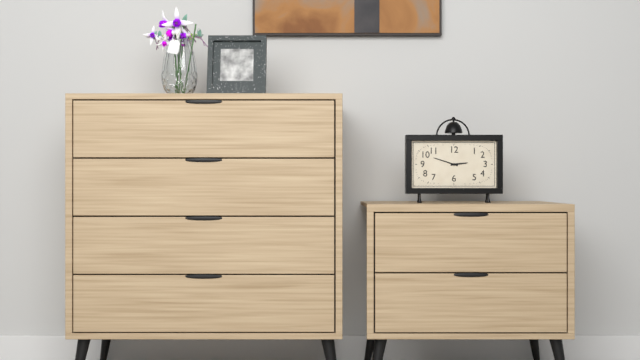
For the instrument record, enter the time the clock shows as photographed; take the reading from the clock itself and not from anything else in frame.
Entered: 2:48
